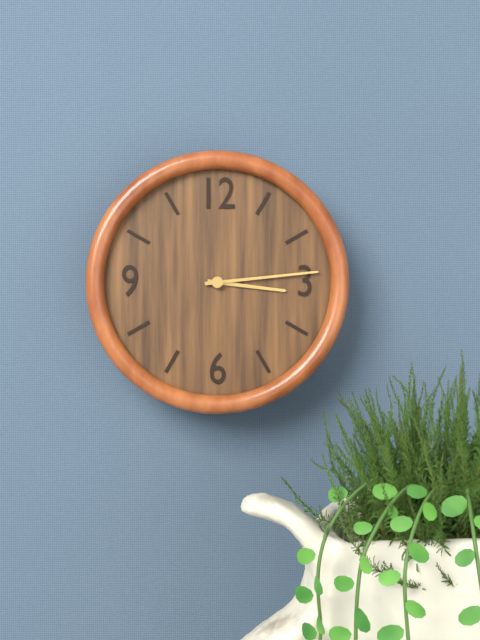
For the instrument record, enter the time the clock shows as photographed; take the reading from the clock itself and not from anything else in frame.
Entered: 3:14
